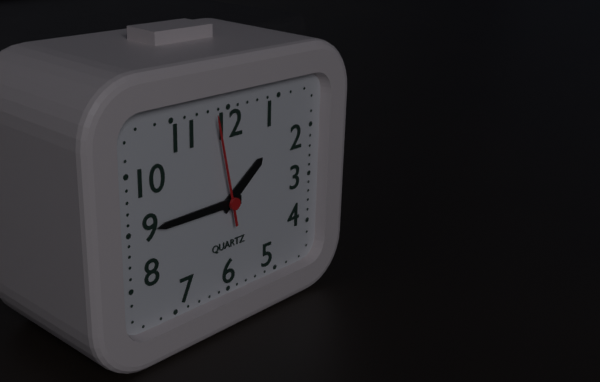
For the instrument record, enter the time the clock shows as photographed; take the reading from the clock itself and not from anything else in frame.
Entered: 1:45:58
